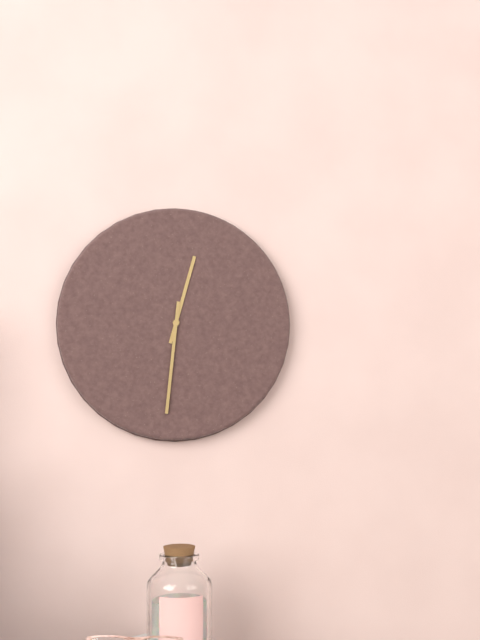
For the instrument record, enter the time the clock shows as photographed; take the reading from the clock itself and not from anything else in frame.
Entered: 12:31
